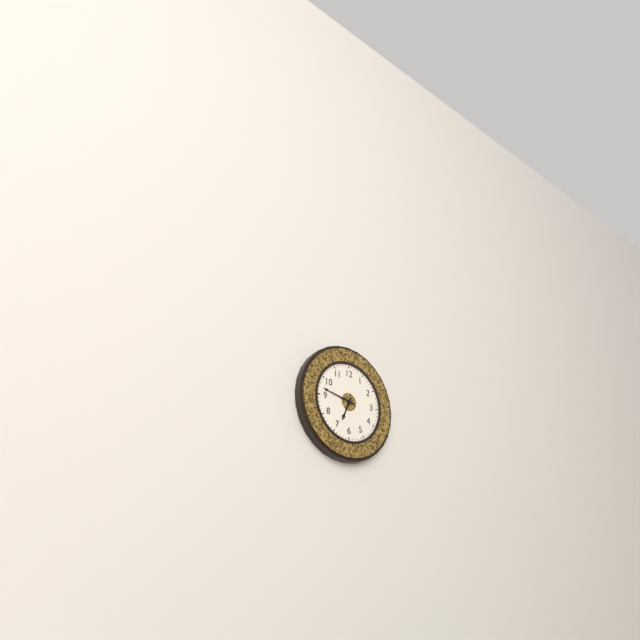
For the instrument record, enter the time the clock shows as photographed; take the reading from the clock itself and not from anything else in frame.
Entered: 6:47
